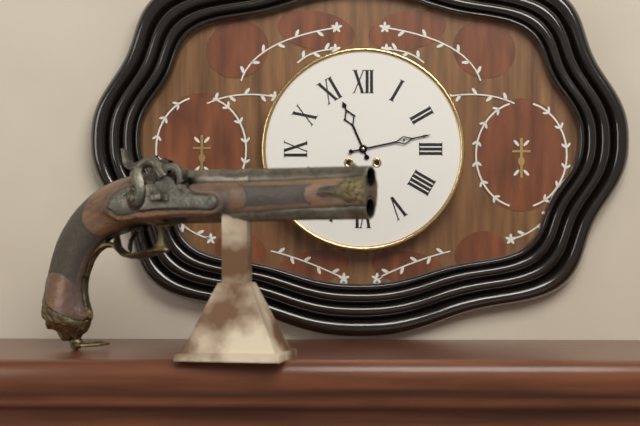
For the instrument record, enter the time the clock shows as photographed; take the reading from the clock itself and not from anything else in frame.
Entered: 11:13
